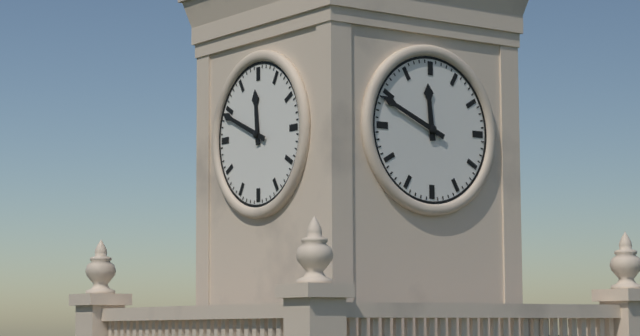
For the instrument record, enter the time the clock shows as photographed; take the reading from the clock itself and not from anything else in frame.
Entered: 11:49
